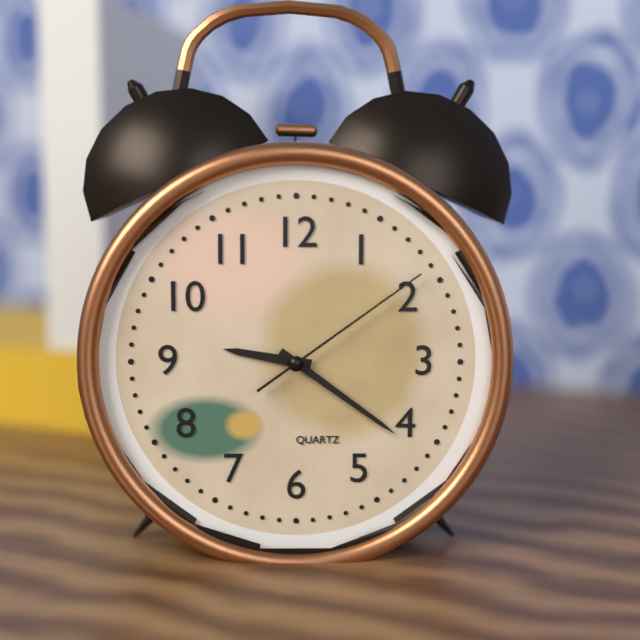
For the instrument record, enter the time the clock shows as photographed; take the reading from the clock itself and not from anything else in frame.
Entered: 9:21:09
